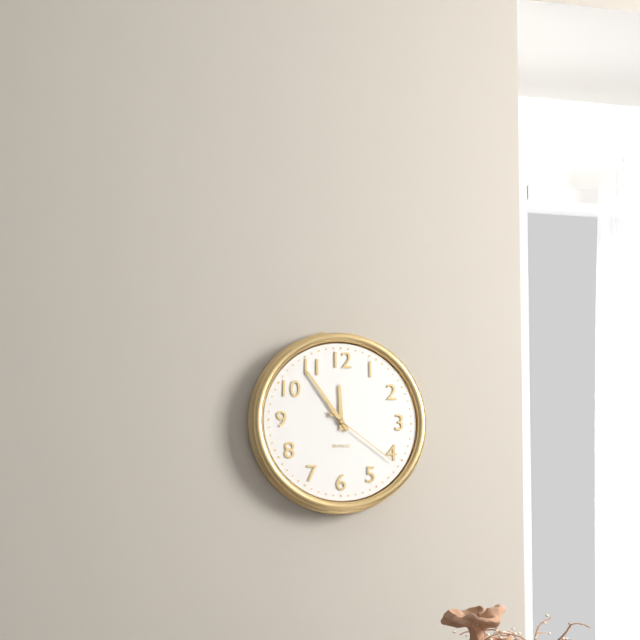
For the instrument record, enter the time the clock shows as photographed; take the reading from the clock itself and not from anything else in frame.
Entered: 11:54:21
